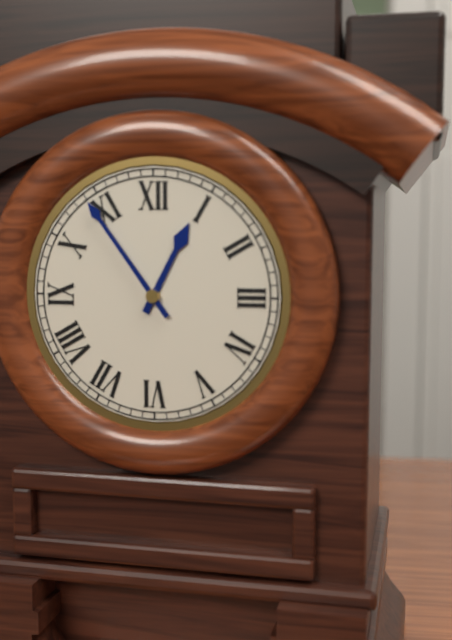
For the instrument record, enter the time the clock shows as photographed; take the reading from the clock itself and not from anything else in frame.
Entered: 12:54
